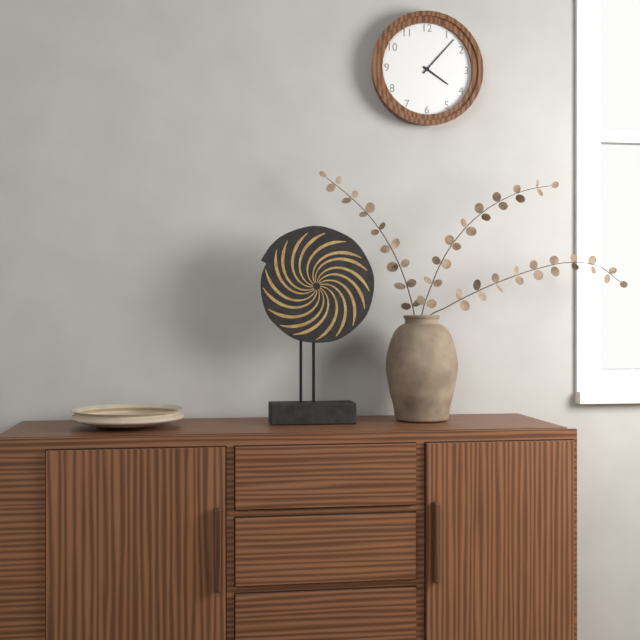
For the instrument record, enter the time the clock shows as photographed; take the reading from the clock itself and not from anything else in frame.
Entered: 4:07
